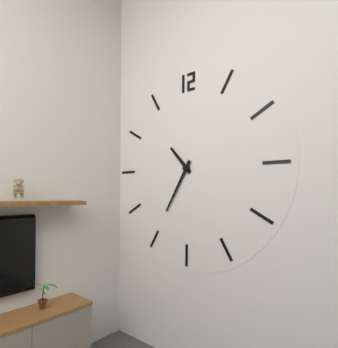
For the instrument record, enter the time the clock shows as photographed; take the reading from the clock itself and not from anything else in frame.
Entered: 10:35
